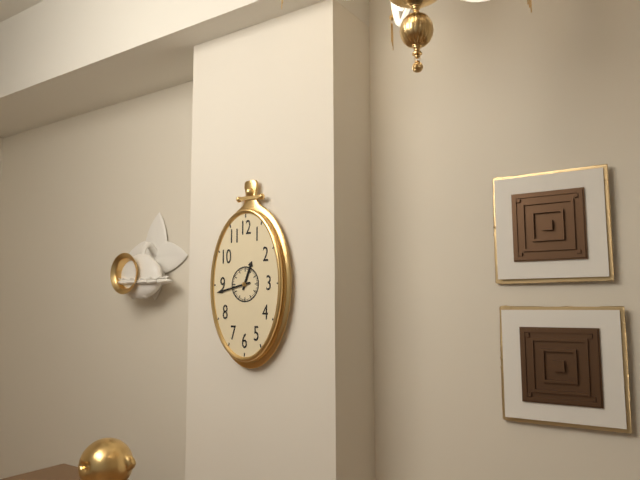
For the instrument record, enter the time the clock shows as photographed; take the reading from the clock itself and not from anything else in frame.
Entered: 12:43
